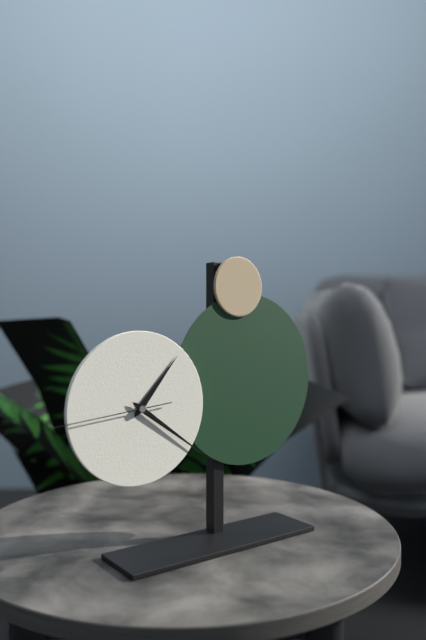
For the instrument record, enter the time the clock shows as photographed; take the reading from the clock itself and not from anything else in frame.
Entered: 1:21:44
